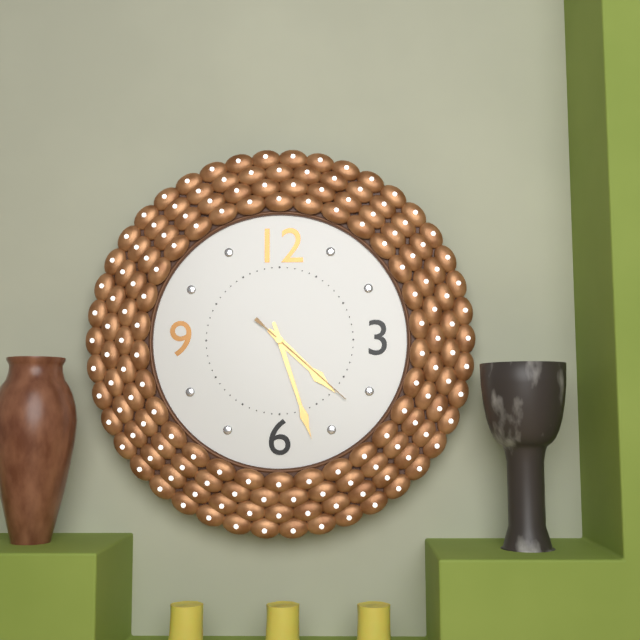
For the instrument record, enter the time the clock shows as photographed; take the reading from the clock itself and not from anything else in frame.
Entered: 4:27:22
